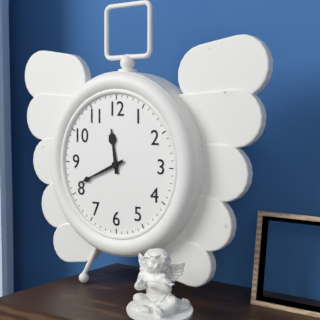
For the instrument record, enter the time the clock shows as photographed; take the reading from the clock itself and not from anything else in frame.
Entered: 11:41
